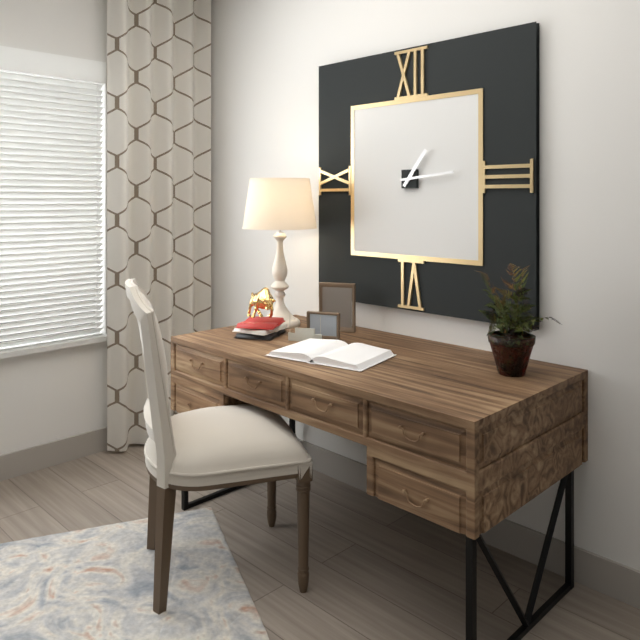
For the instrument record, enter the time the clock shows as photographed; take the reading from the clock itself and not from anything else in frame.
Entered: 1:14
